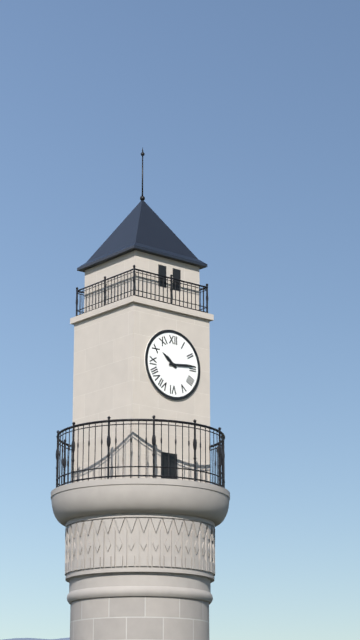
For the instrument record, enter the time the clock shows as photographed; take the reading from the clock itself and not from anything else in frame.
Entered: 10:14
